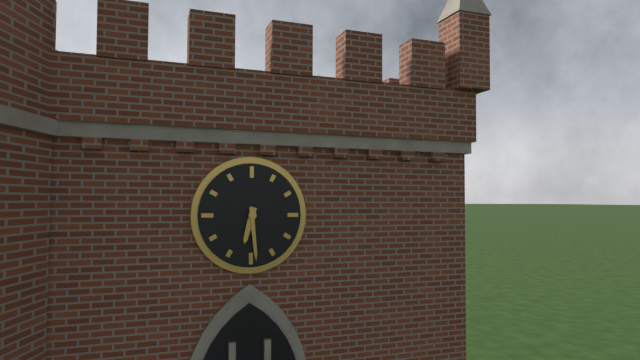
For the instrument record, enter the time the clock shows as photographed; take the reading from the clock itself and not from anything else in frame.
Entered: 6:29
